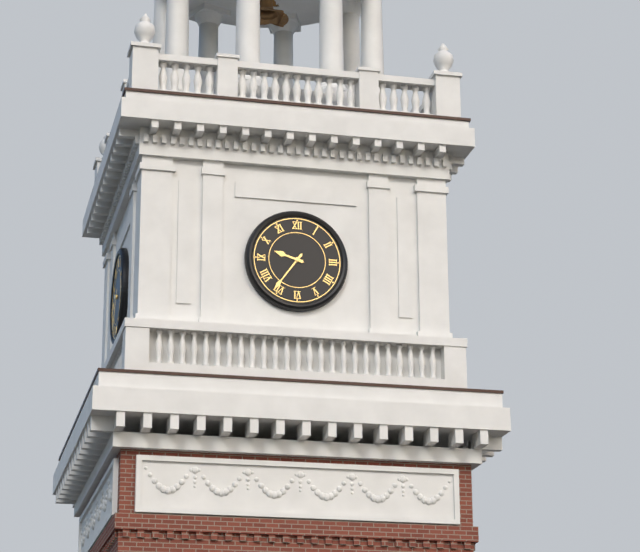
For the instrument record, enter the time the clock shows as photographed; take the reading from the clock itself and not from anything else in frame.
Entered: 9:36
